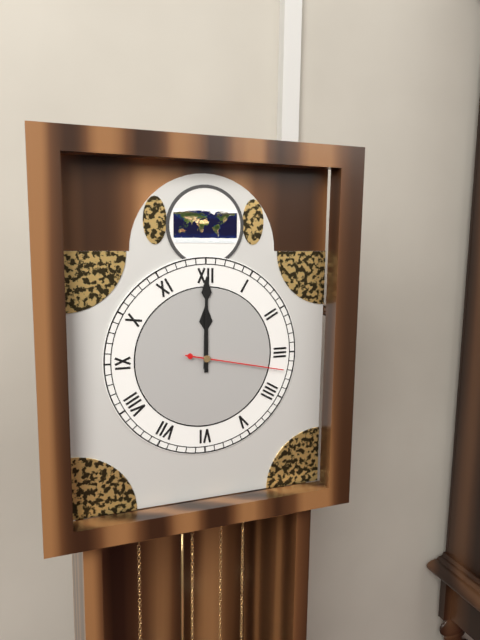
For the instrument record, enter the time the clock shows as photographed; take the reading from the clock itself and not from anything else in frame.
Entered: 12:00:17
